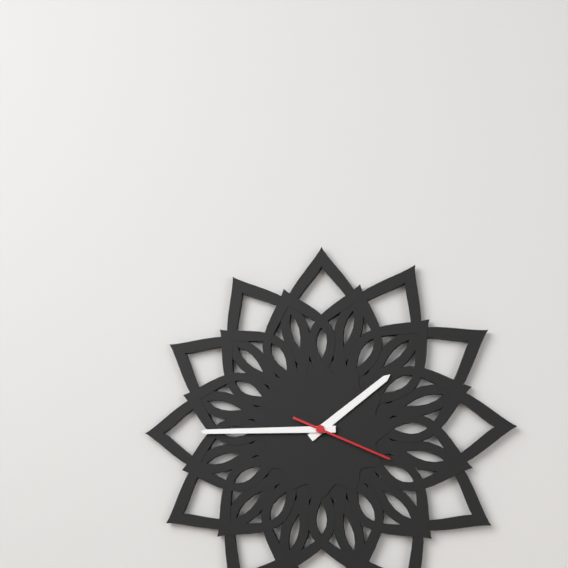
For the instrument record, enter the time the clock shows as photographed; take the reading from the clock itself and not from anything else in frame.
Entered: 1:45:19
